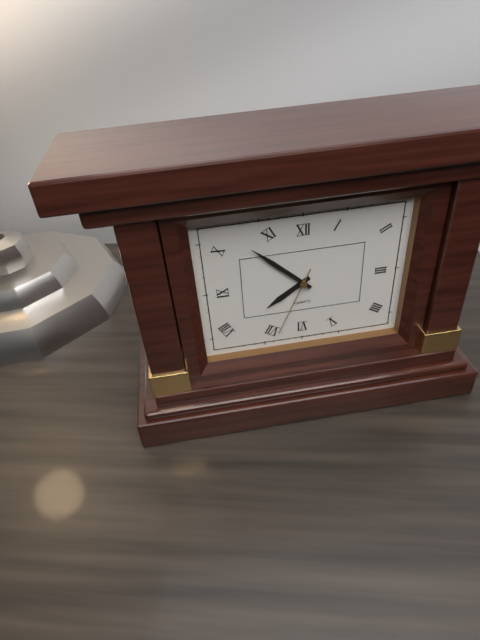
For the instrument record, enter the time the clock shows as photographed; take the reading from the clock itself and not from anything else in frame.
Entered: 7:52:34
